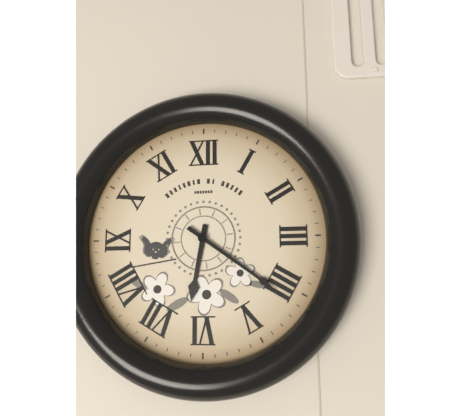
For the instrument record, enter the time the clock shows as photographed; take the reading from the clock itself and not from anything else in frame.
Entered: 6:21
